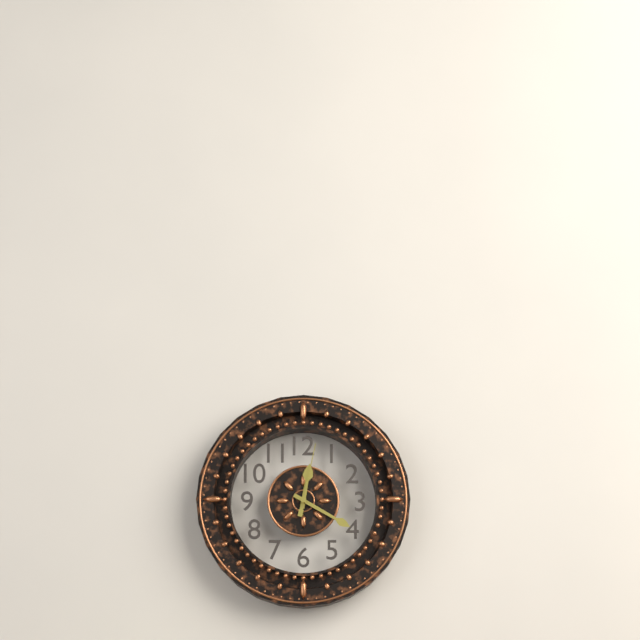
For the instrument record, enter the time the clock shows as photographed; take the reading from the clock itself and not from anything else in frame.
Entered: 12:20:02
